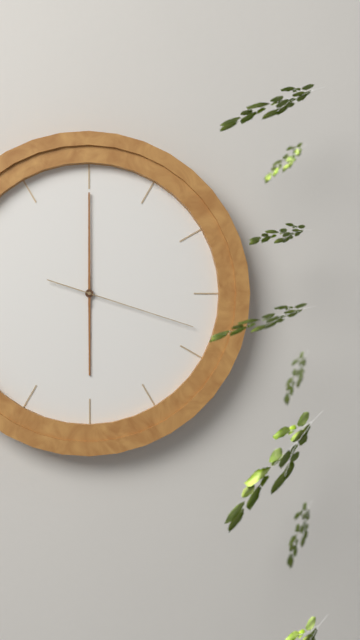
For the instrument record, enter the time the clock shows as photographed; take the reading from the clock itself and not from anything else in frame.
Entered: 6:00:18
